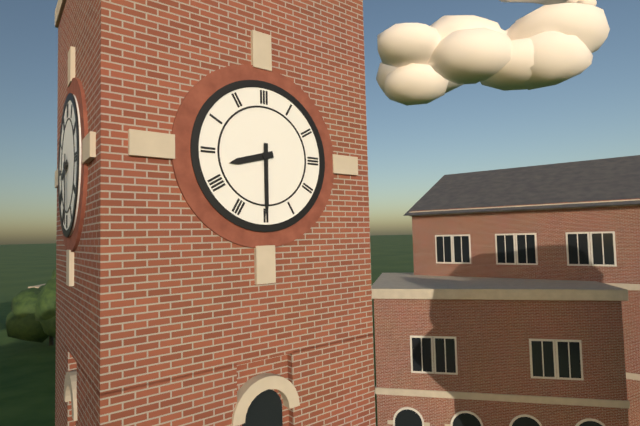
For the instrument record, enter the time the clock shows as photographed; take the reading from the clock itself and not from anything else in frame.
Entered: 8:30
